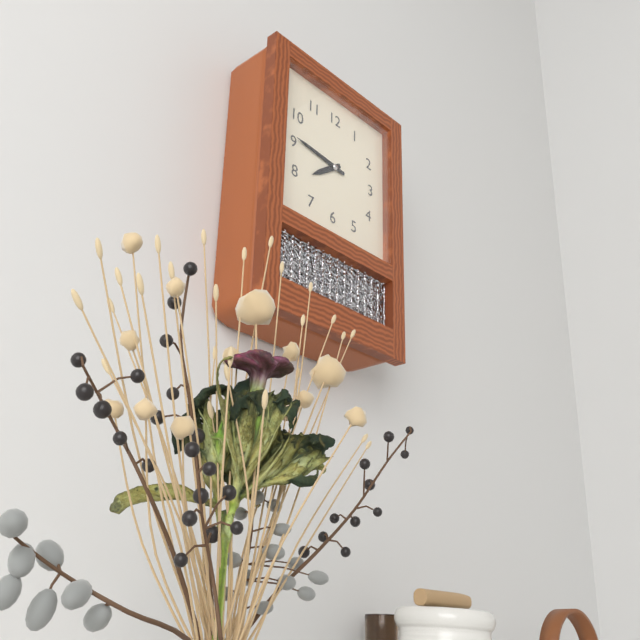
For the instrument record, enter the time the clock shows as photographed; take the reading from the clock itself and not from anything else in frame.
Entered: 7:46
